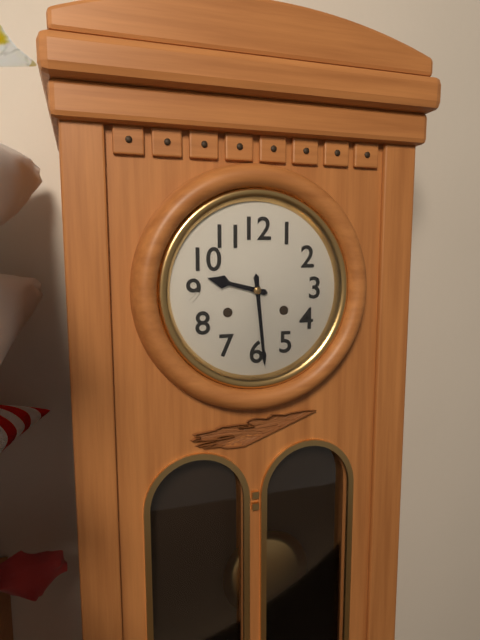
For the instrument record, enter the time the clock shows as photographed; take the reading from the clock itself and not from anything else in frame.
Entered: 9:29
